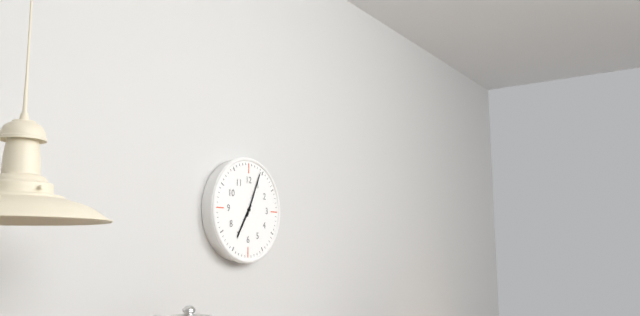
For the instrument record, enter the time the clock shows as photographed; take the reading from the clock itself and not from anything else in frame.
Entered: 7:04
